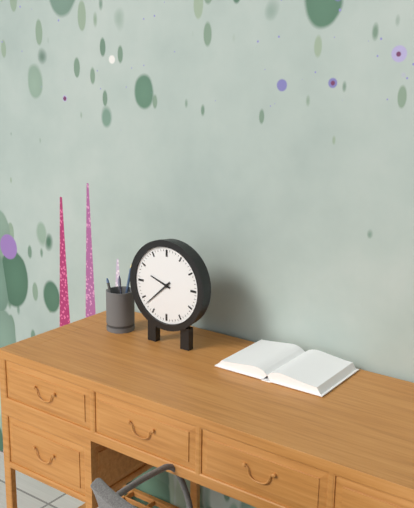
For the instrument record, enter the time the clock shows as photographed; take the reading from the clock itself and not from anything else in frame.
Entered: 9:38
